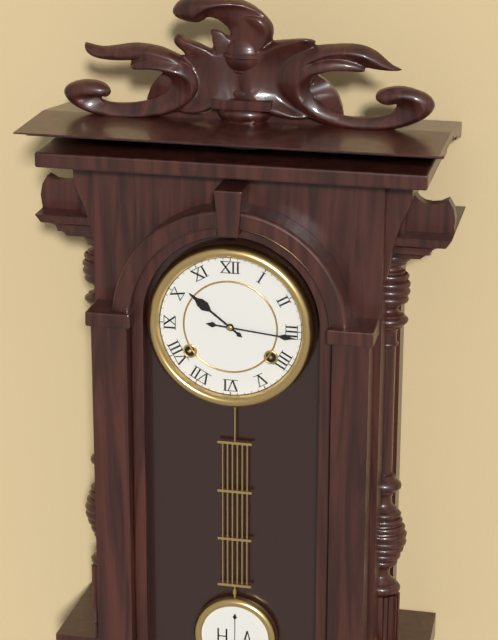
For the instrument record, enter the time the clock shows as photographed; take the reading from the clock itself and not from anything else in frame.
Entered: 10:16
